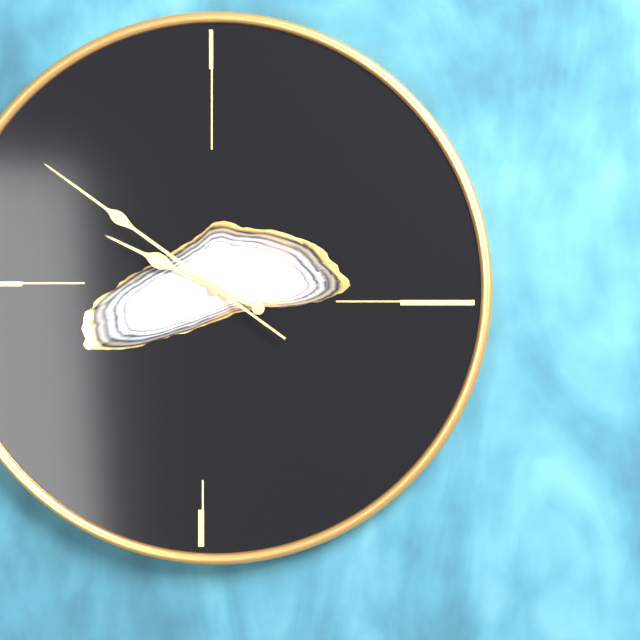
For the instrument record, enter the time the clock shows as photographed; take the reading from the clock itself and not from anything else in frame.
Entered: 9:51
